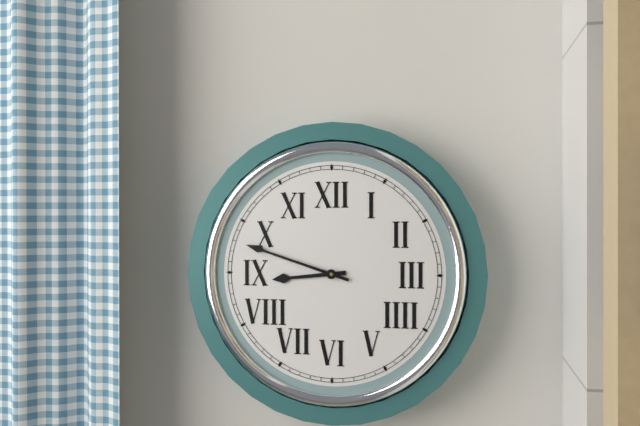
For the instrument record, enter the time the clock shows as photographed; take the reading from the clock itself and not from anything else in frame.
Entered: 8:48
